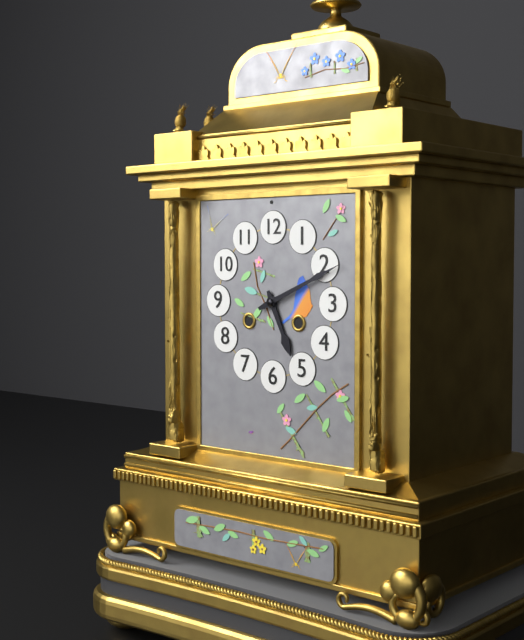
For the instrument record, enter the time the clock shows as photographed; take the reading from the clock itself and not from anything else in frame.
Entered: 5:11
